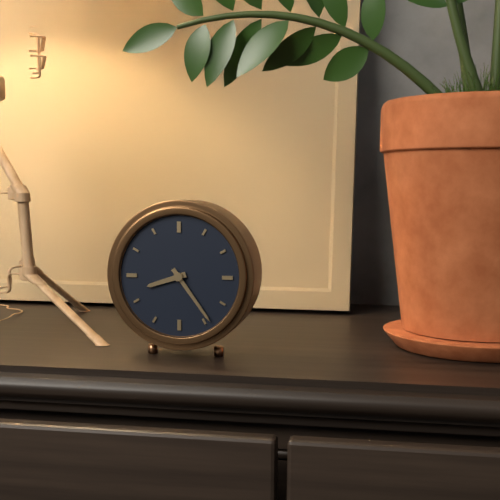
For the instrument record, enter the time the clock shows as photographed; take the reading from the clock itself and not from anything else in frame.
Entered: 8:24
